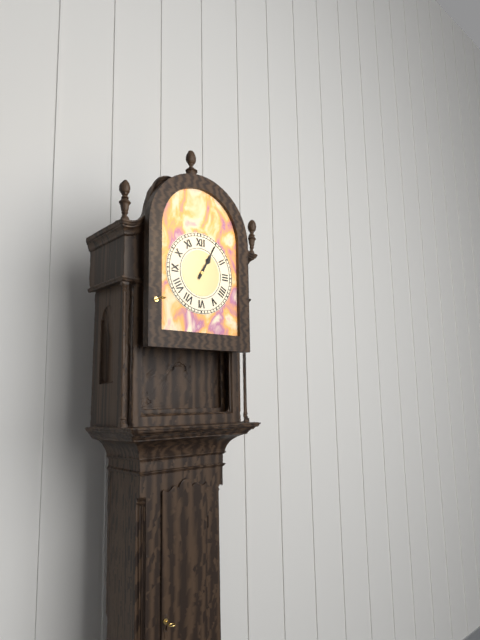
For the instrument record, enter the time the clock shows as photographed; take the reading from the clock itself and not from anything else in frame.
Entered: 1:05
